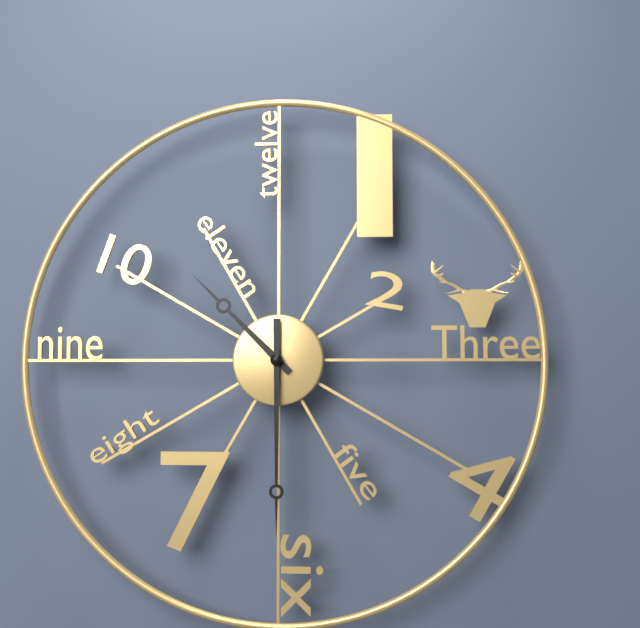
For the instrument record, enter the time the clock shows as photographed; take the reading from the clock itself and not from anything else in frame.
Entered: 10:30
